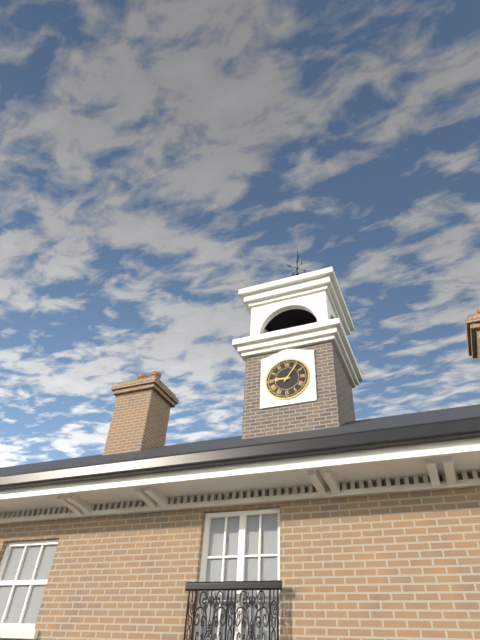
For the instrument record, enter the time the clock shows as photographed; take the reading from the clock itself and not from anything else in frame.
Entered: 9:06
